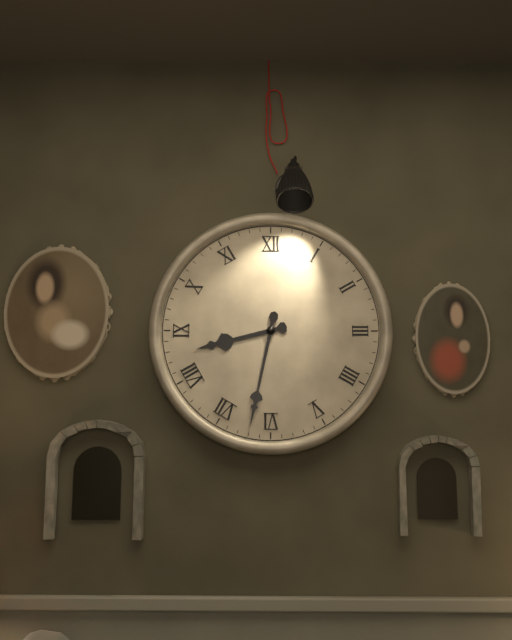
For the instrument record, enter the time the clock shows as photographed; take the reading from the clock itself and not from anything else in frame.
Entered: 8:32
